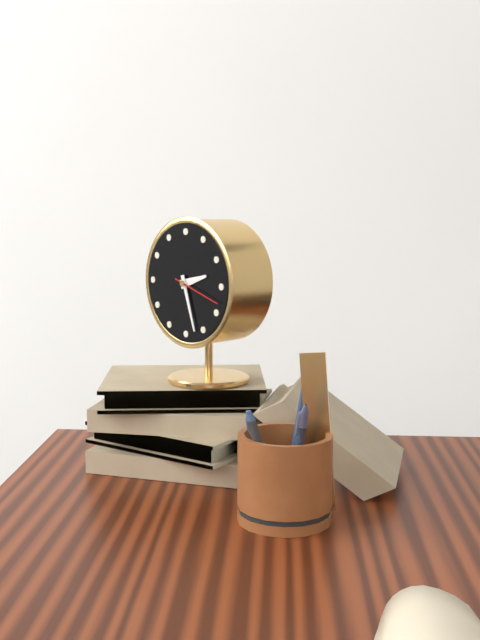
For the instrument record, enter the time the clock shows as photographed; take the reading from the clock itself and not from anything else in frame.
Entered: 2:27
